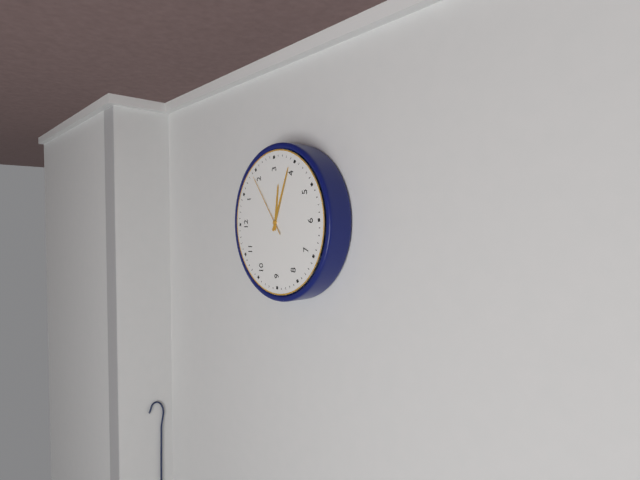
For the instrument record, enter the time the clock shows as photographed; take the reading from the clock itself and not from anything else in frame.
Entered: 3:19:09
